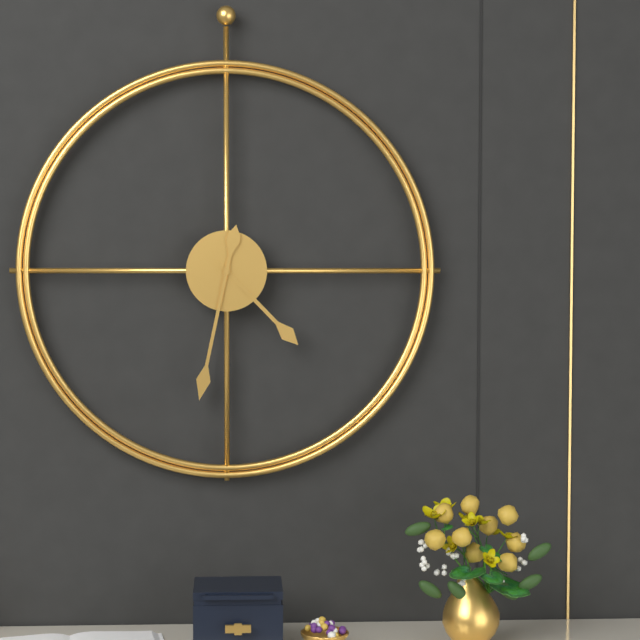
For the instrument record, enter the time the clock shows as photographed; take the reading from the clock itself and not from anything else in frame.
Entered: 4:32
